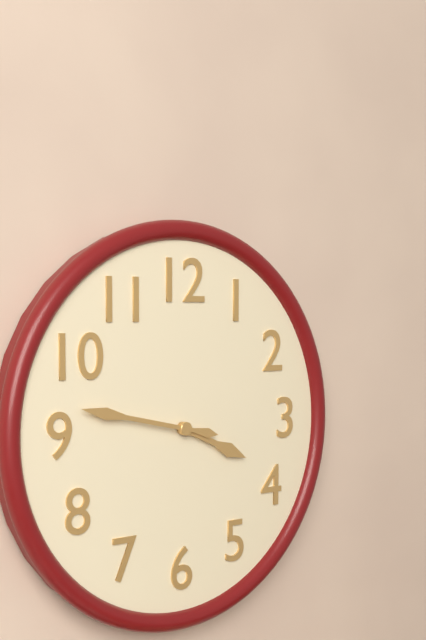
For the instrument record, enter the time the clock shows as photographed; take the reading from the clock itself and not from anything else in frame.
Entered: 3:47
